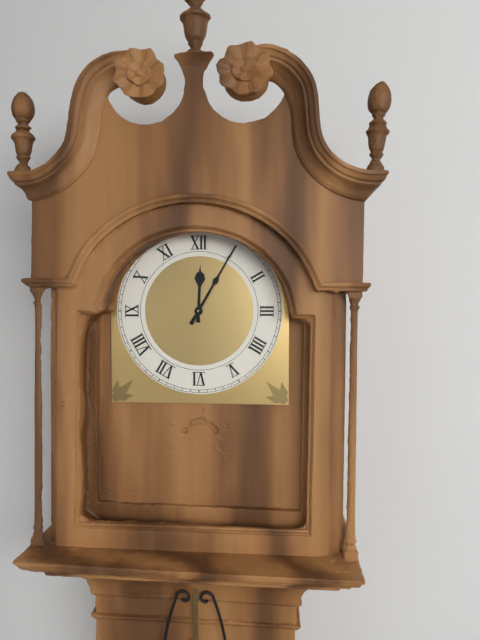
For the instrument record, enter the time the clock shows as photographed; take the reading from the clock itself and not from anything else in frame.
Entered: 12:05
